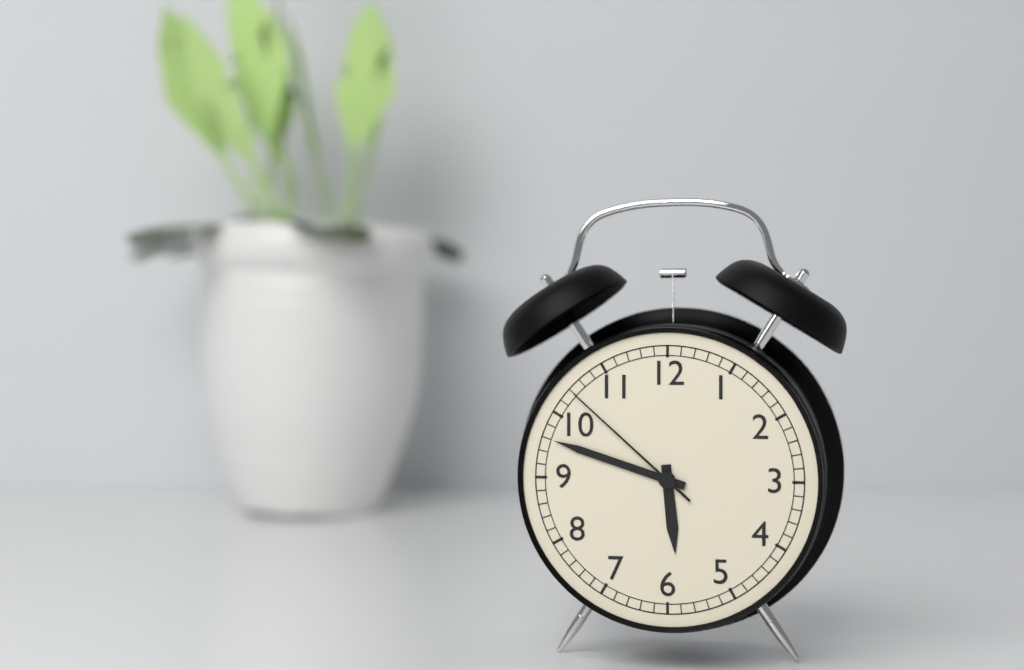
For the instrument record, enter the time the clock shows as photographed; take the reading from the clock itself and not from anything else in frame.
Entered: 5:48:52
